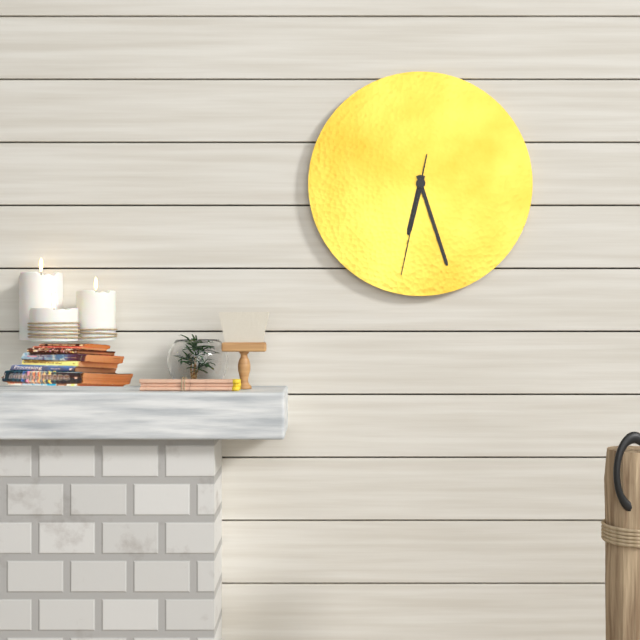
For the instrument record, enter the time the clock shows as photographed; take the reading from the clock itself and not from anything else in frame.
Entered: 6:27:32
